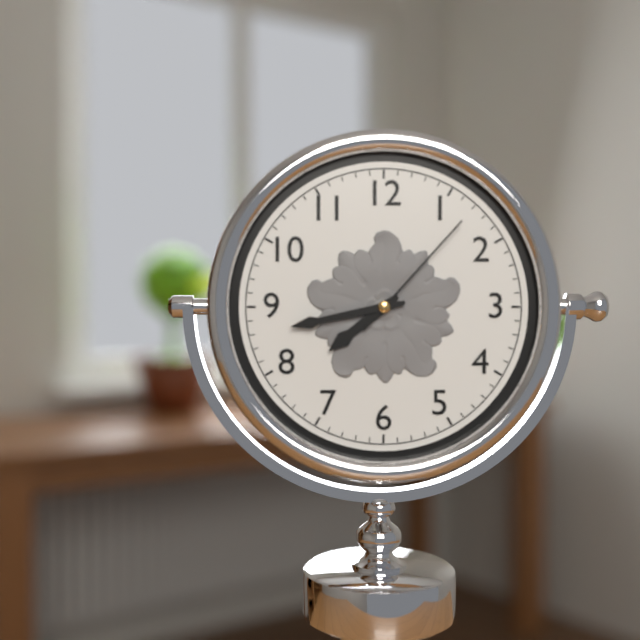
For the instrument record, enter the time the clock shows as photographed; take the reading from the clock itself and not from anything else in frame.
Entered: 7:43:07
